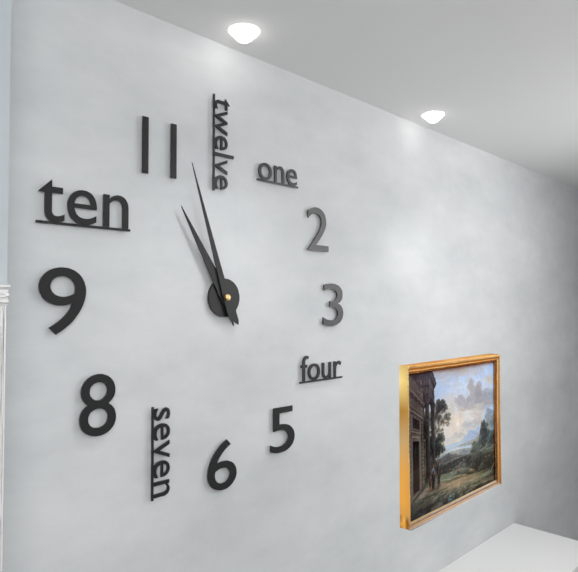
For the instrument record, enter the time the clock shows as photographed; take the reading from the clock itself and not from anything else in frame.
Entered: 10:57
